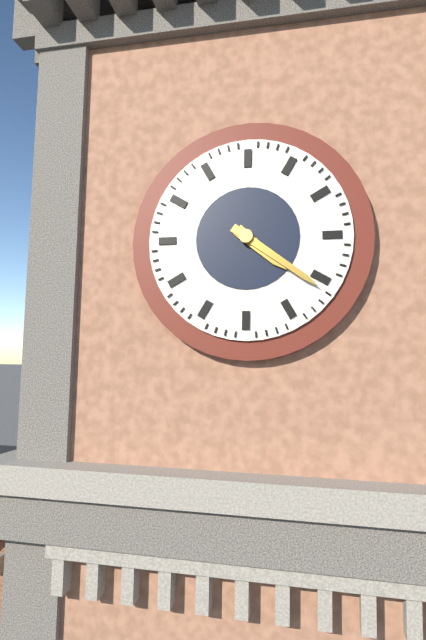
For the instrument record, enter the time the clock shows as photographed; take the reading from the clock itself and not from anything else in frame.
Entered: 4:21
